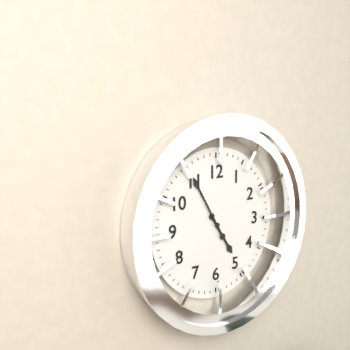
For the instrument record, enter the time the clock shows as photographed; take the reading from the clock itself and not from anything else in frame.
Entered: 4:55
